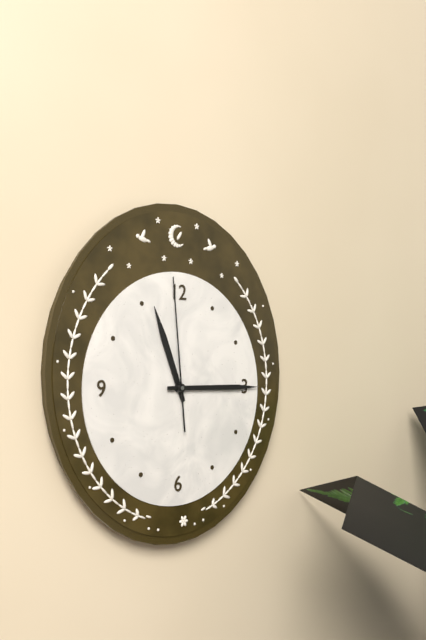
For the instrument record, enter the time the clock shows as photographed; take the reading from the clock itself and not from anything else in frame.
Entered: 11:15:59
